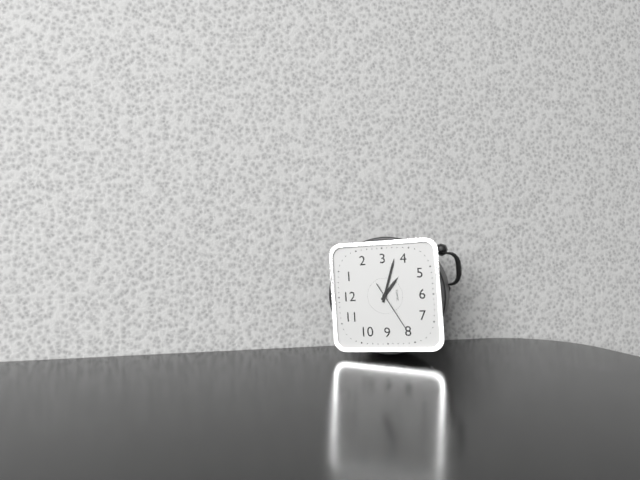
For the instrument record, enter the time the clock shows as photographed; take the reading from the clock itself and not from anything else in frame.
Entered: 4:18
